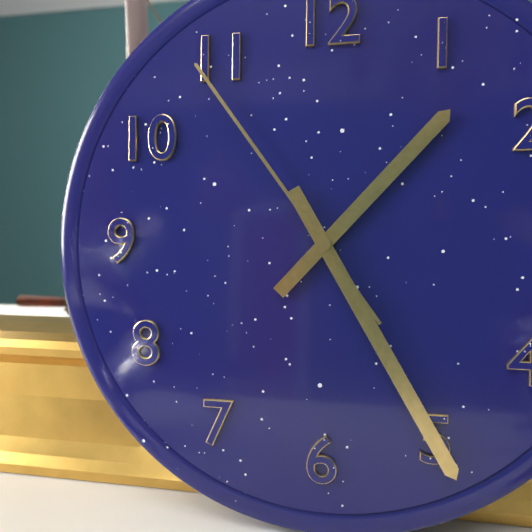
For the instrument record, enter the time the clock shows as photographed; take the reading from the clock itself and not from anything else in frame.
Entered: 1:25:54
